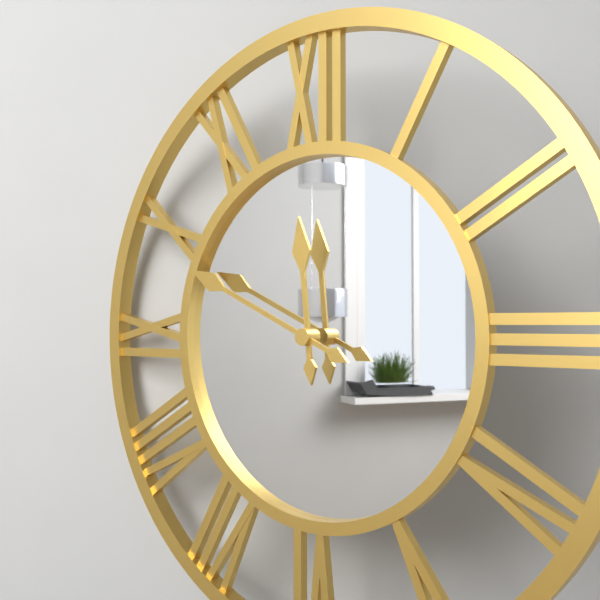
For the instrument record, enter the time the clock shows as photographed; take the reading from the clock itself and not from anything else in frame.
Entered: 11:49
